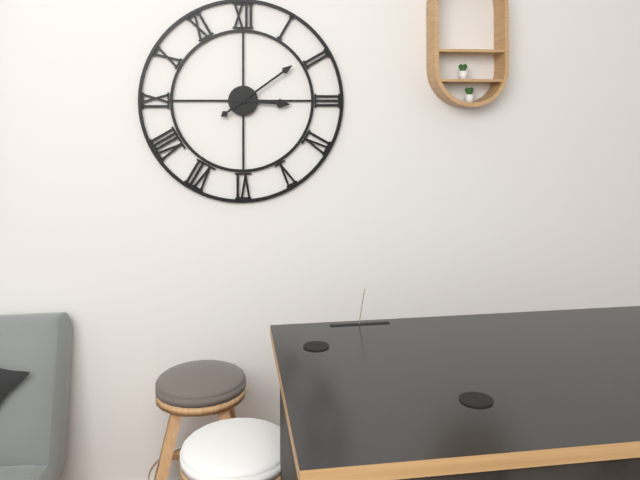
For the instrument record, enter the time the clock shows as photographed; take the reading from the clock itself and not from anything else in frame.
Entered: 3:09
